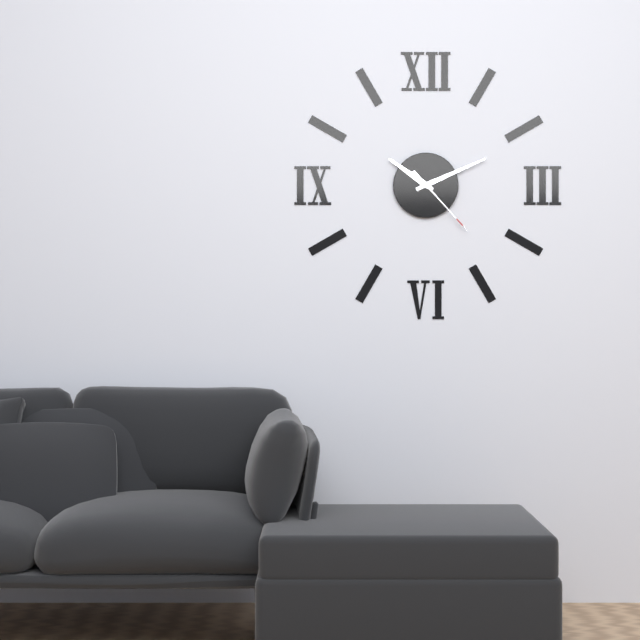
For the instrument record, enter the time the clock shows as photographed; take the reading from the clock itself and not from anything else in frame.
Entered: 10:11:23
